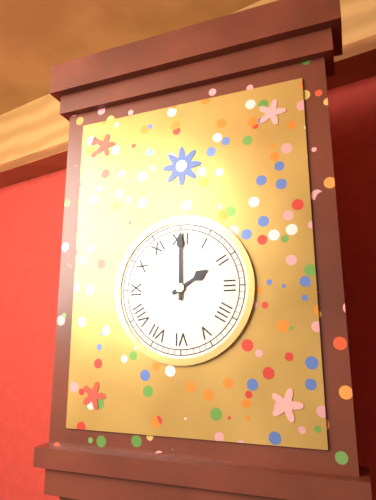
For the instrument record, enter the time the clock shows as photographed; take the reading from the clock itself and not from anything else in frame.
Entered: 2:00
